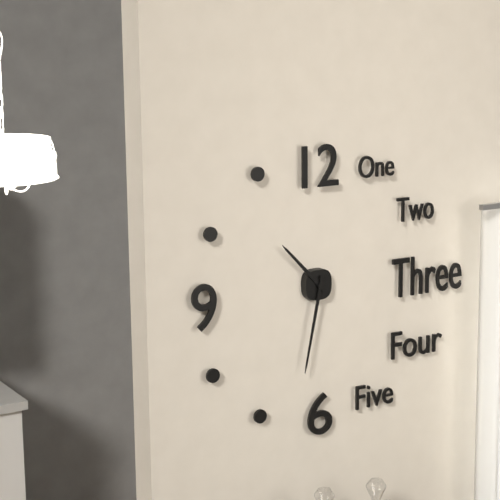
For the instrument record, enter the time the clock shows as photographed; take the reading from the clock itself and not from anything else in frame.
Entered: 10:32
